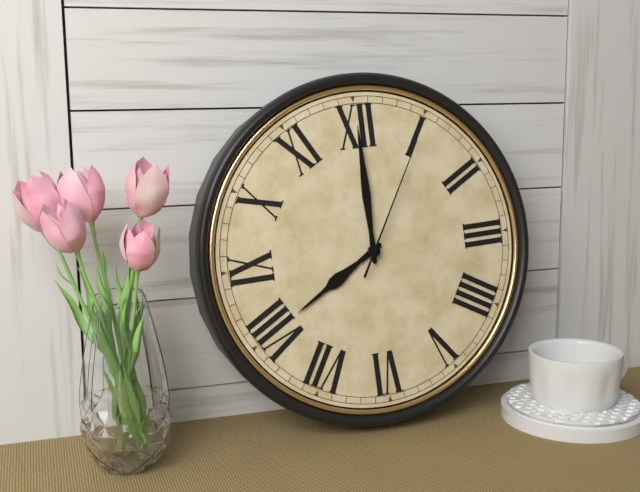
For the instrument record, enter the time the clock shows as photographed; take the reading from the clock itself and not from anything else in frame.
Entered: 8:00:05
